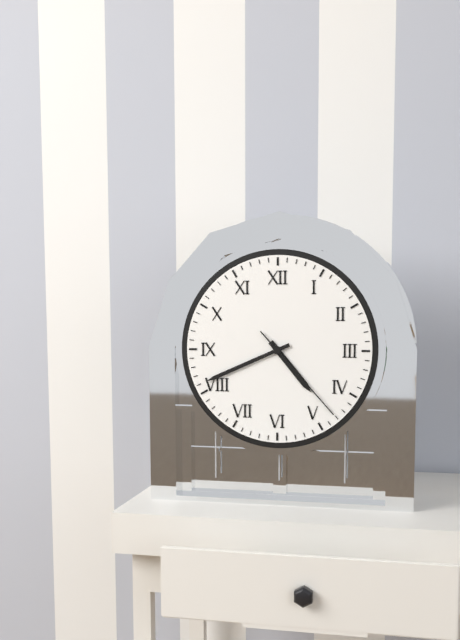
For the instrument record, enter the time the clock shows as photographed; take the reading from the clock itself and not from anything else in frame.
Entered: 4:41:23
